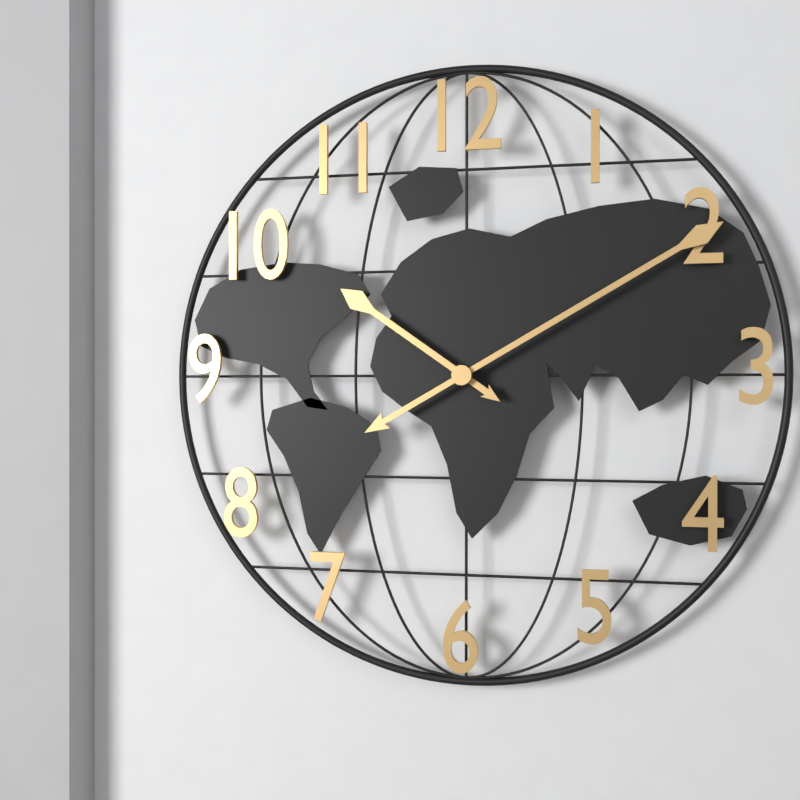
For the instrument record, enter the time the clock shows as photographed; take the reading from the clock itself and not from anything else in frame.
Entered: 10:10
